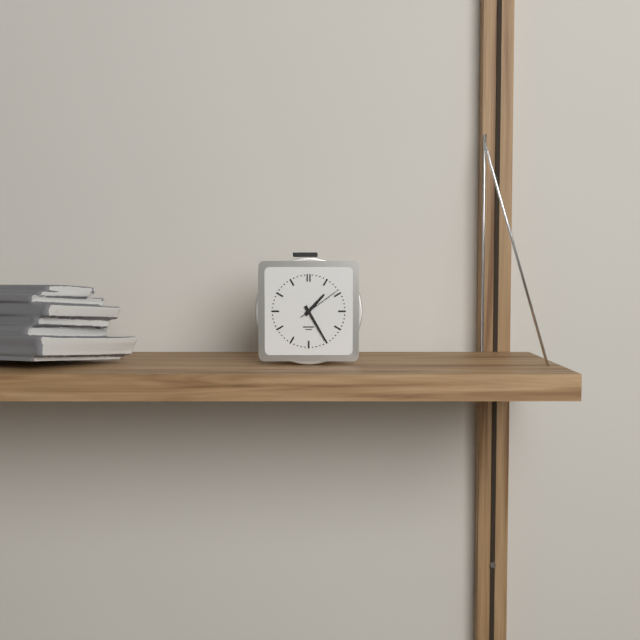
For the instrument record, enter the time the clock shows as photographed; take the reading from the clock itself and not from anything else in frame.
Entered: 1:25
